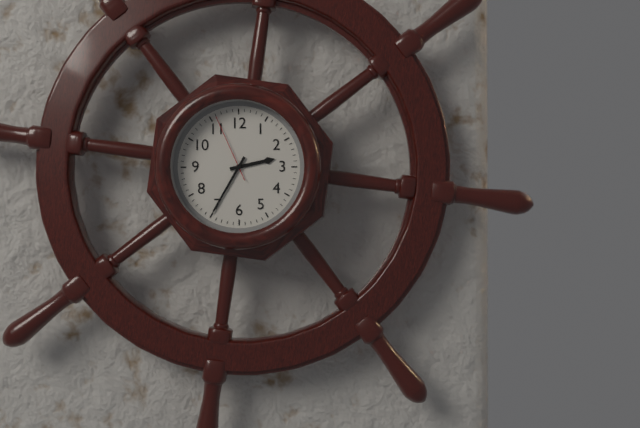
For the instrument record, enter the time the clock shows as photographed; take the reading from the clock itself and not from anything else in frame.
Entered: 2:35:56
